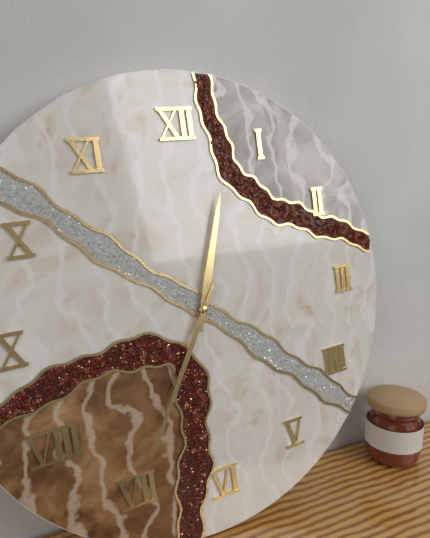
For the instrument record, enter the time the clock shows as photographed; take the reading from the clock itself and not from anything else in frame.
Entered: 12:35
